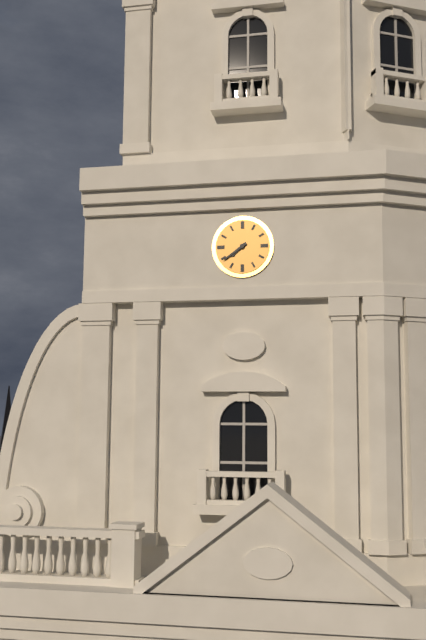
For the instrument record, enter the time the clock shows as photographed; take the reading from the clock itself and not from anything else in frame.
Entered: 7:39
